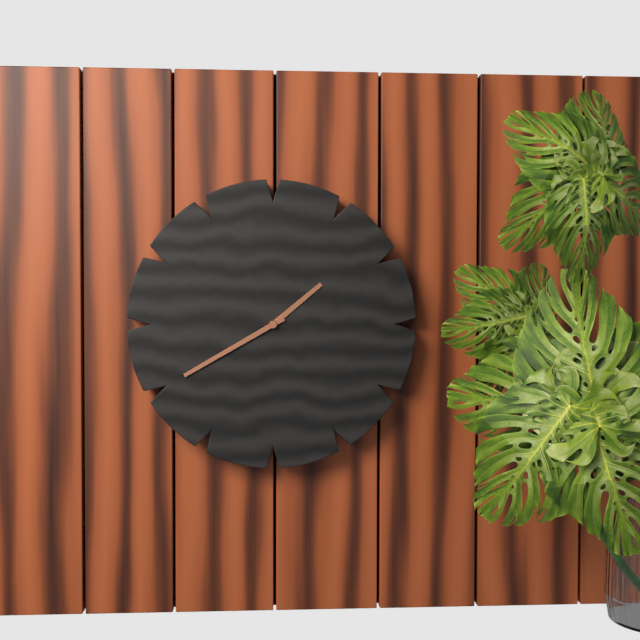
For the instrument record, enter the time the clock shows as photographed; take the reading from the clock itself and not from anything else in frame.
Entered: 1:40
